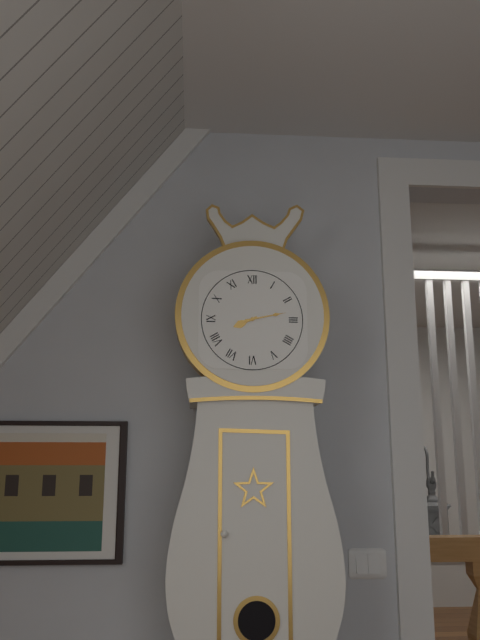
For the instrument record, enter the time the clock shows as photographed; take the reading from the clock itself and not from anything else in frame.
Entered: 8:13
